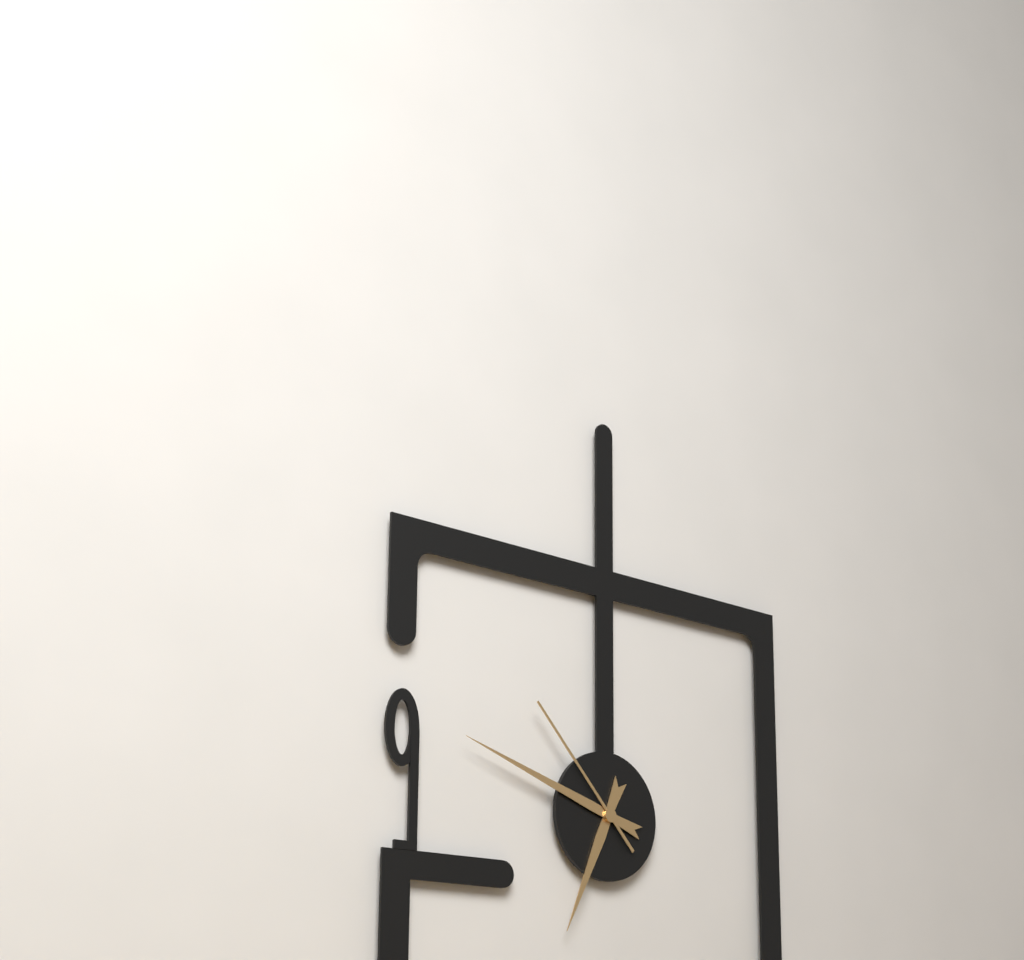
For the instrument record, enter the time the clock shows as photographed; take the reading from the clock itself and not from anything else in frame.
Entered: 6:48:53
